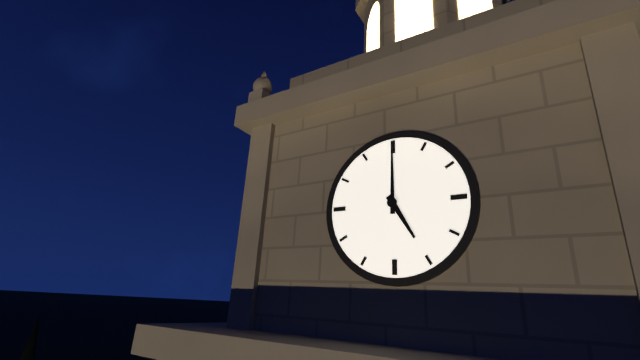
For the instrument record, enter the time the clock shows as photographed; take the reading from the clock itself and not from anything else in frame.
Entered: 5:00
